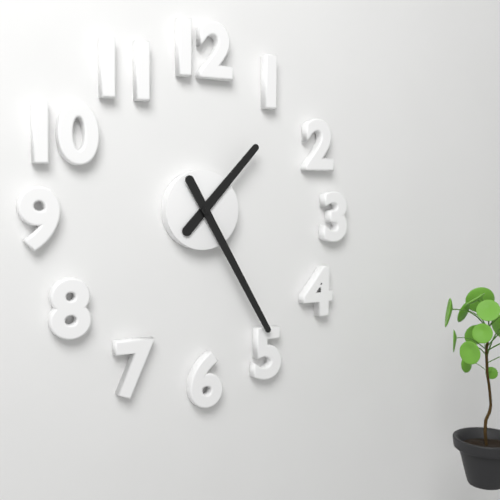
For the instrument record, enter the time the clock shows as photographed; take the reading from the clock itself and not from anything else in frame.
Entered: 1:25
